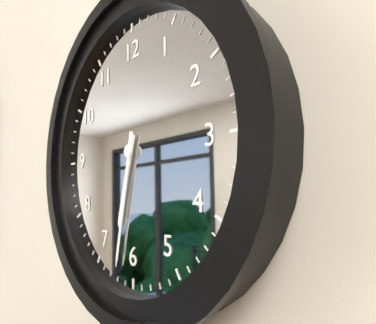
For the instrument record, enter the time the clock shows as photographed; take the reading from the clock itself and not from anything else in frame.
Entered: 6:32
